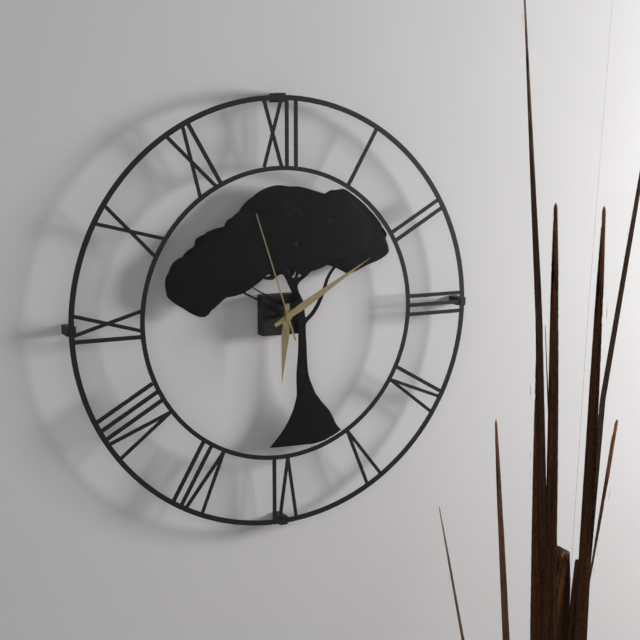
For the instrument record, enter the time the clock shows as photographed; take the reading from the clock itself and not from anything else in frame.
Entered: 6:10:57
